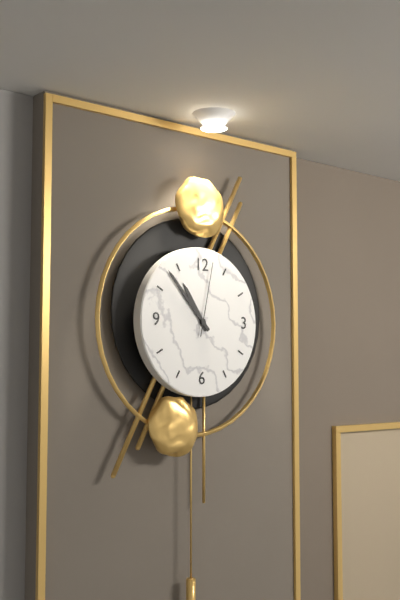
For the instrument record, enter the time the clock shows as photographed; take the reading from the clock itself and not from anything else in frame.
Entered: 10:53:02
